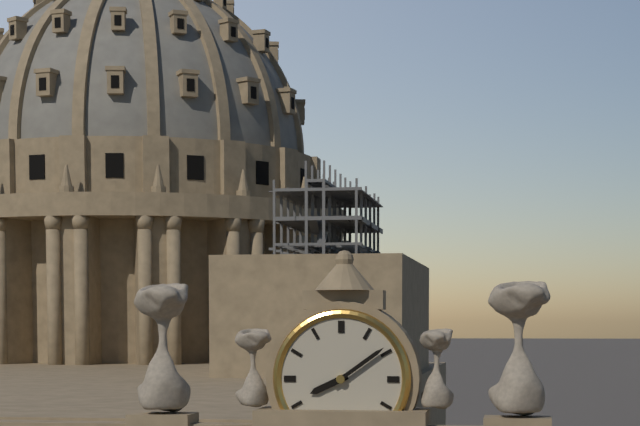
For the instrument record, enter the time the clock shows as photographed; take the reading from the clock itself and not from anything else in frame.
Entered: 8:09
